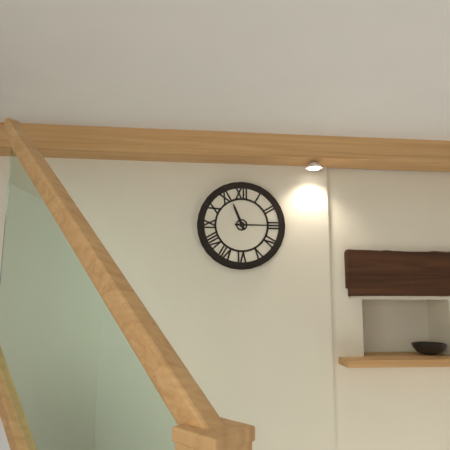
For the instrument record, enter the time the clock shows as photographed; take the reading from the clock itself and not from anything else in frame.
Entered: 11:15
